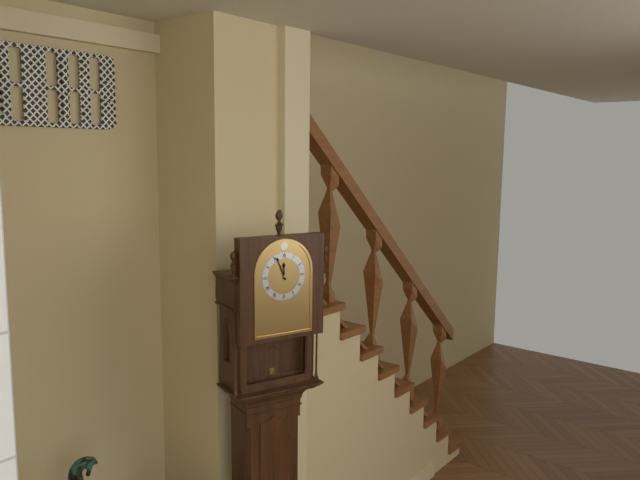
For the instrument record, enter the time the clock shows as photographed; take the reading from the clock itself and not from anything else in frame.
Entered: 11:56
